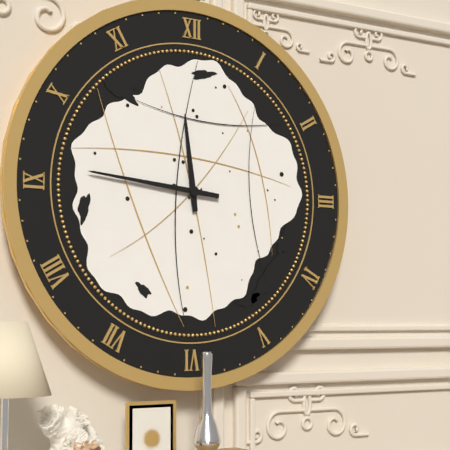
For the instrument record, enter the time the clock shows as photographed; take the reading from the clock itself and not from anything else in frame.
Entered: 11:46
